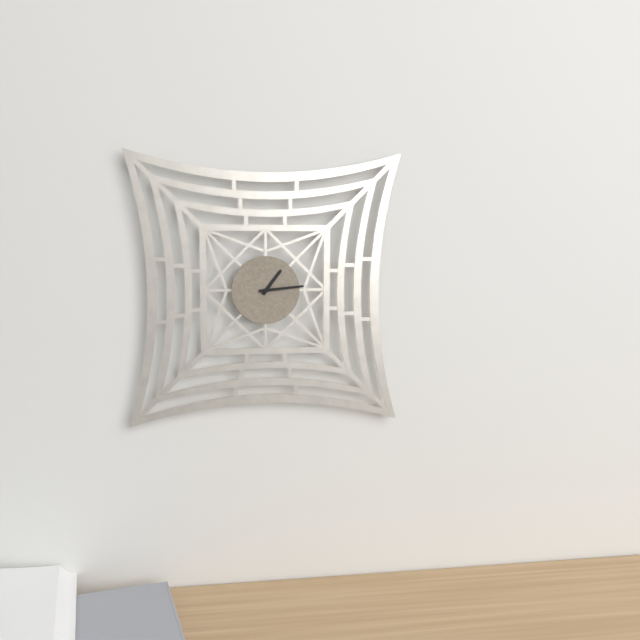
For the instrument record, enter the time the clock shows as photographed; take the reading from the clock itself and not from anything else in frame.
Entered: 1:14
